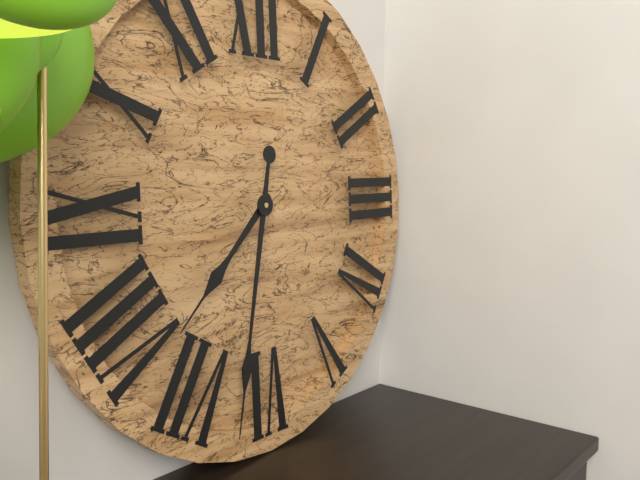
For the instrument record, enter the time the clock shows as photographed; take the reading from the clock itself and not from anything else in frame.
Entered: 7:32
